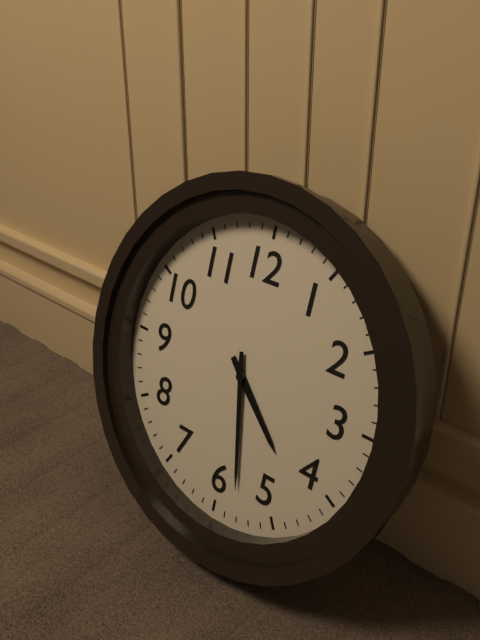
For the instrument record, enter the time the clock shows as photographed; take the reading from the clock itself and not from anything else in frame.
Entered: 4:28
